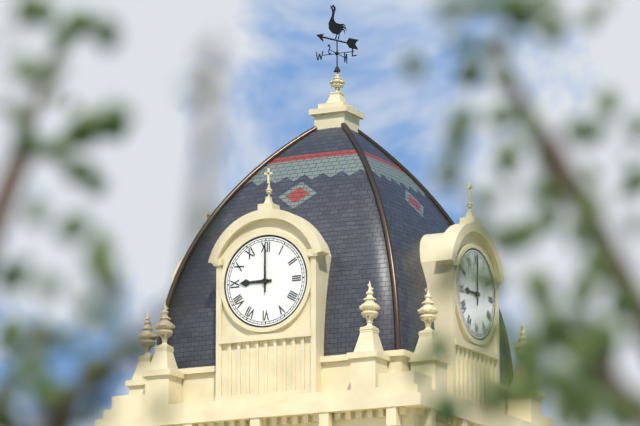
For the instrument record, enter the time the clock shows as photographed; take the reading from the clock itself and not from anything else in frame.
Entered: 9:00
